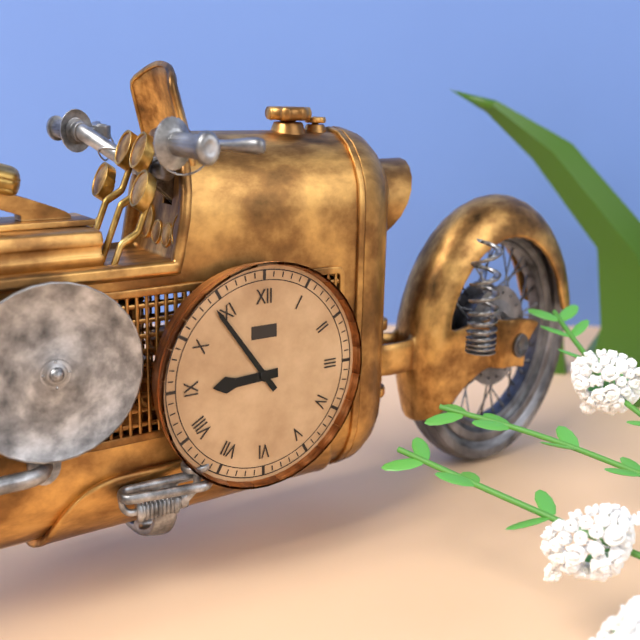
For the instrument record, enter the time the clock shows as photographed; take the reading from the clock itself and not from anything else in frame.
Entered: 8:54
